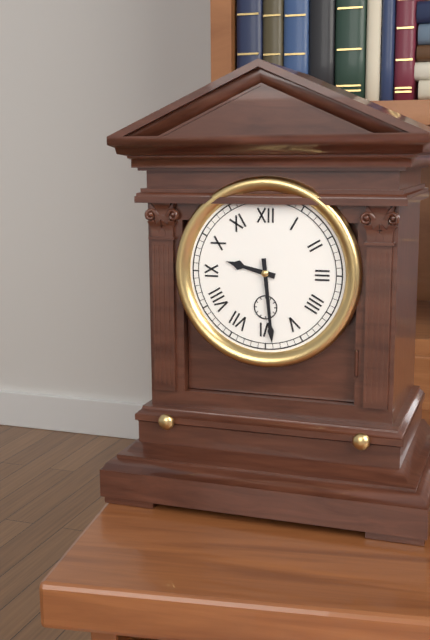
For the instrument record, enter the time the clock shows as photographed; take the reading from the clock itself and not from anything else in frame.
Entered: 9:29
